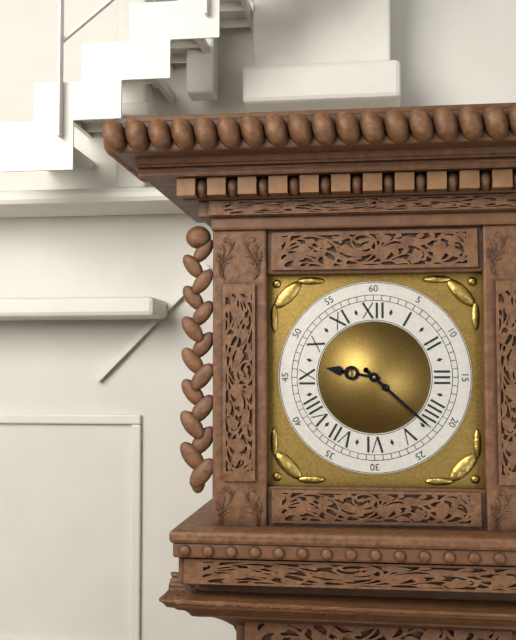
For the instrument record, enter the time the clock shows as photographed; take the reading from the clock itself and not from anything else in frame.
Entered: 9:22
